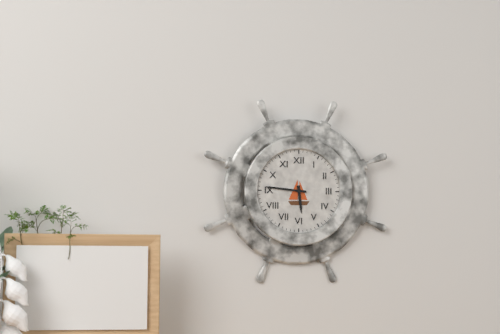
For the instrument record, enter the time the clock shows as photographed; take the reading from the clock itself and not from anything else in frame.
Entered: 5:46
